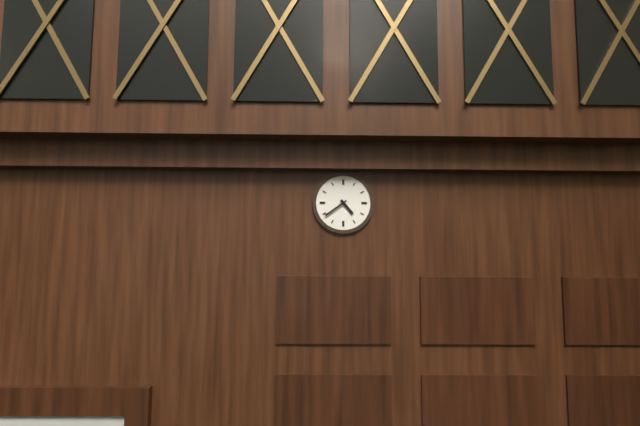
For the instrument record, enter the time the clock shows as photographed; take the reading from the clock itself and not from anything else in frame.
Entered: 4:39
